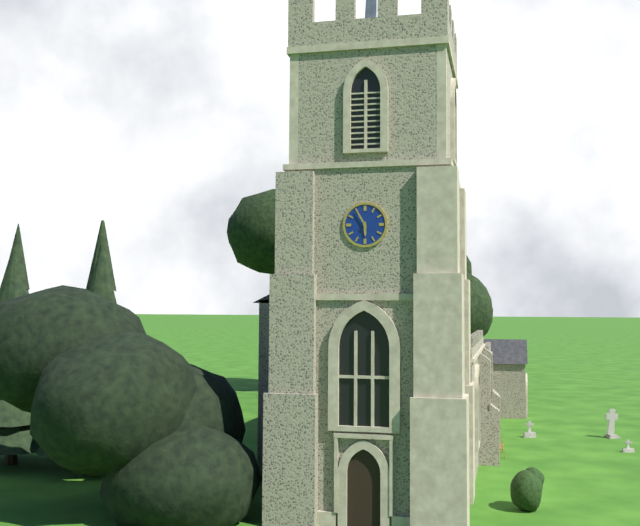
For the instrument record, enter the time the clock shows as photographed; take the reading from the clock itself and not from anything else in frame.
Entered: 5:55
